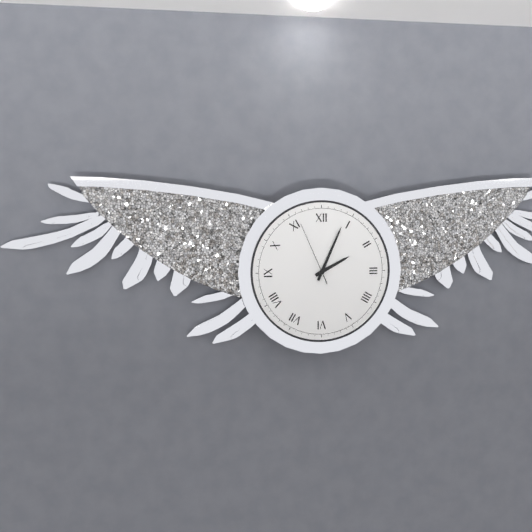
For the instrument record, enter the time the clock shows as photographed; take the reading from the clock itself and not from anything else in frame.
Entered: 2:04:56
